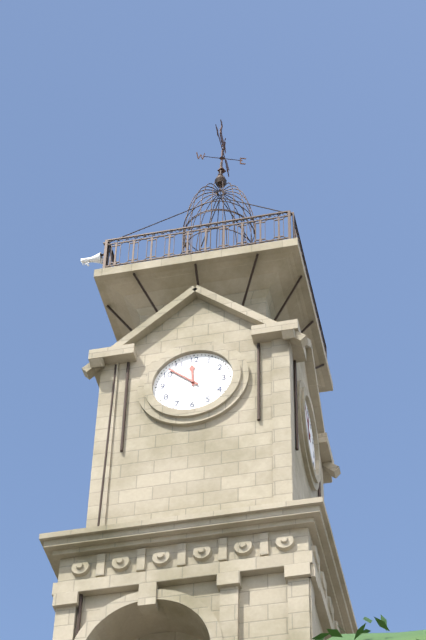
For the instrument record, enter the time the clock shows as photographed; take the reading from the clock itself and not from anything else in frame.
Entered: 11:52
